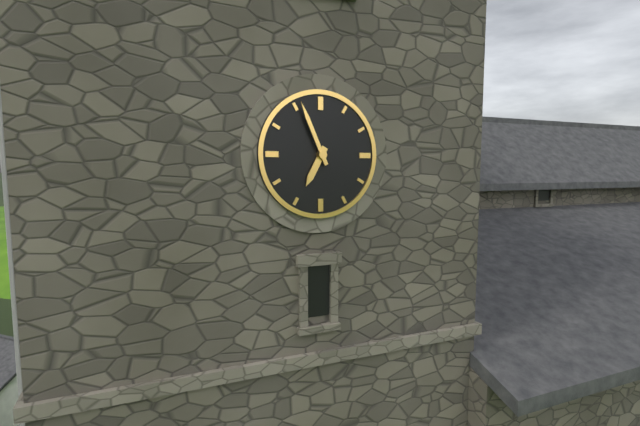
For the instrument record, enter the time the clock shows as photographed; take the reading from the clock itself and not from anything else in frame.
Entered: 6:56
